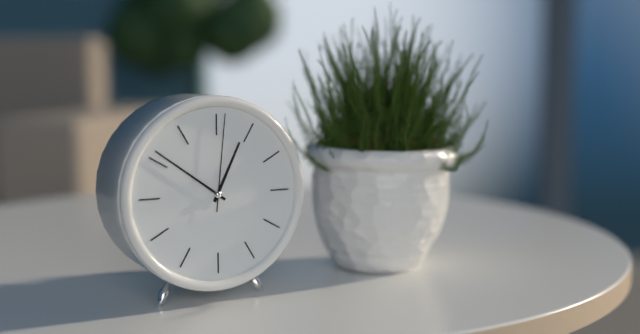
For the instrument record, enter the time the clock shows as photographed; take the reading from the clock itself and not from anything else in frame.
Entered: 12:51:01
